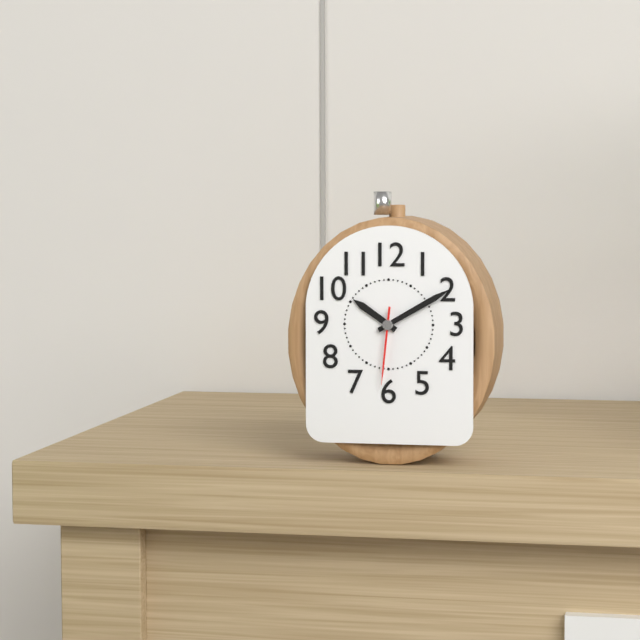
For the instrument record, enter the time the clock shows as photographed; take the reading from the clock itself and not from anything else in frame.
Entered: 10:10:31
